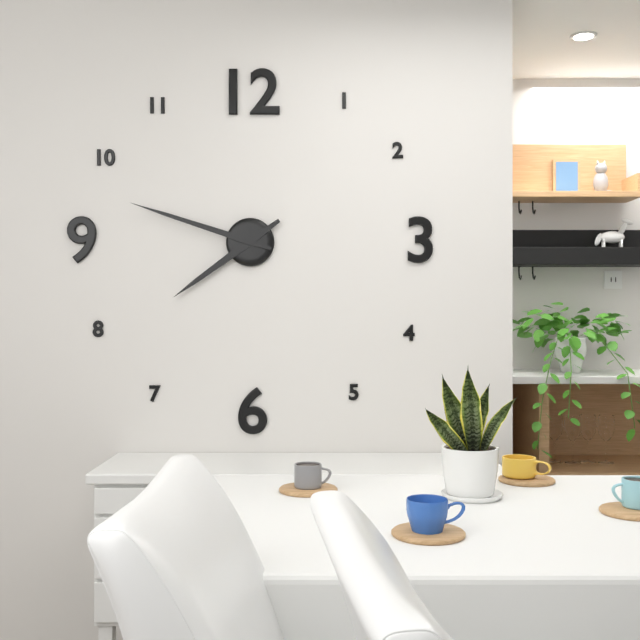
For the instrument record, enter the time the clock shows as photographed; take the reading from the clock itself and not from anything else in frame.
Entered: 7:48
